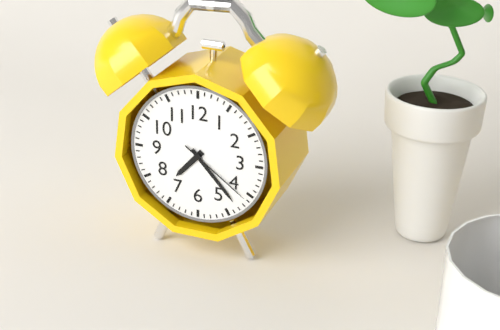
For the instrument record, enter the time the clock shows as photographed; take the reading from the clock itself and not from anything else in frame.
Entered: 7:23:21
